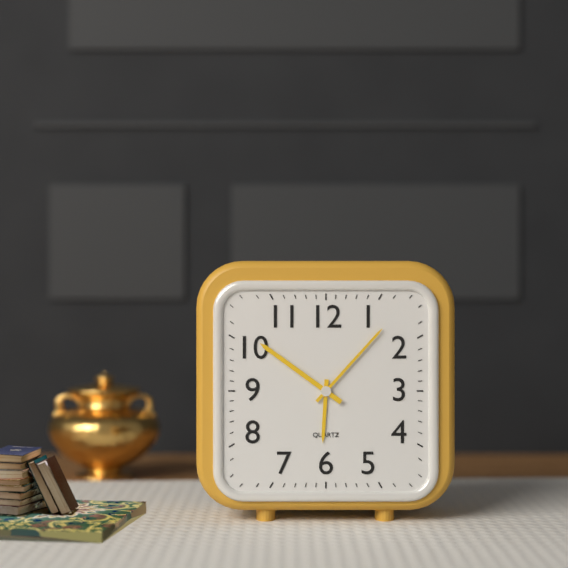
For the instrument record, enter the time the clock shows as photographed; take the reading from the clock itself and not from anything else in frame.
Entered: 6:07:51
